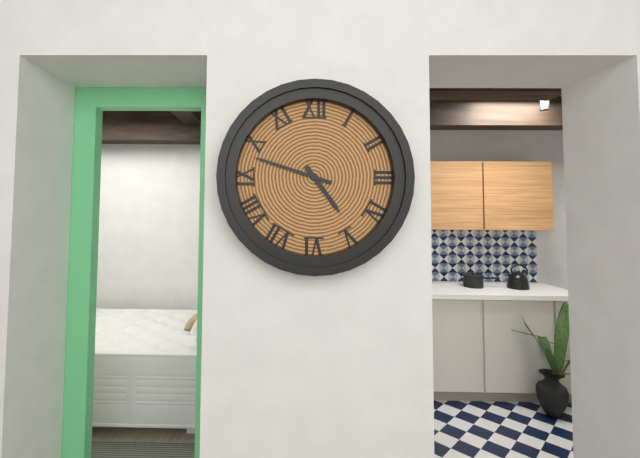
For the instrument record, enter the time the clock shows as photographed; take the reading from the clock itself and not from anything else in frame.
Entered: 4:48
